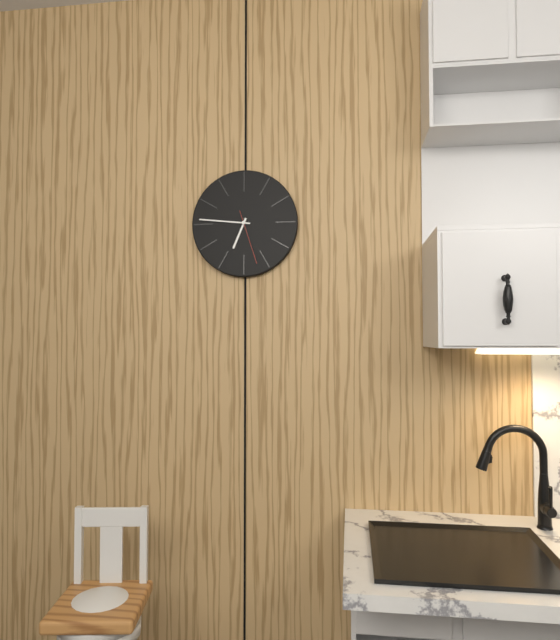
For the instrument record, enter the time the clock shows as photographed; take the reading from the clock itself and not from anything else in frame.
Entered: 6:46:27
